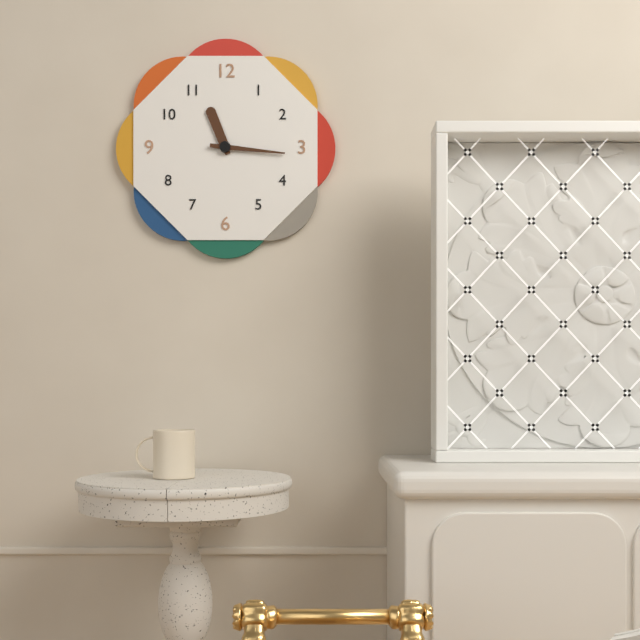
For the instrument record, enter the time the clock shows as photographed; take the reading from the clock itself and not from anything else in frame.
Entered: 11:16
